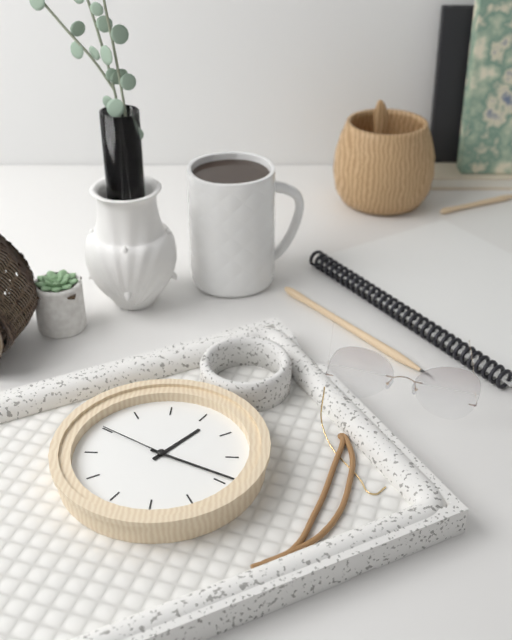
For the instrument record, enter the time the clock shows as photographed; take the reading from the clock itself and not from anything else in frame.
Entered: 1:19:50
